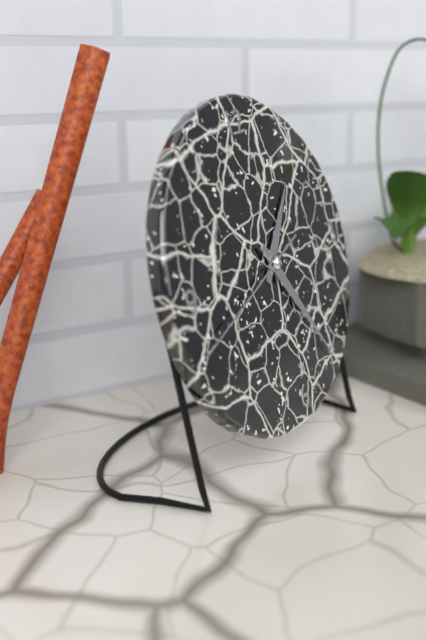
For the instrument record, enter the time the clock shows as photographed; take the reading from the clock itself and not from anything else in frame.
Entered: 1:25:42
